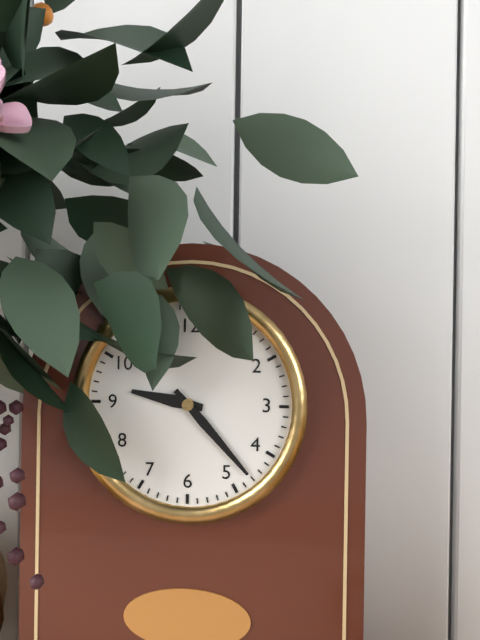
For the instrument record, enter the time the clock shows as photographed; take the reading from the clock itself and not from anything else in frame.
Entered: 9:23
